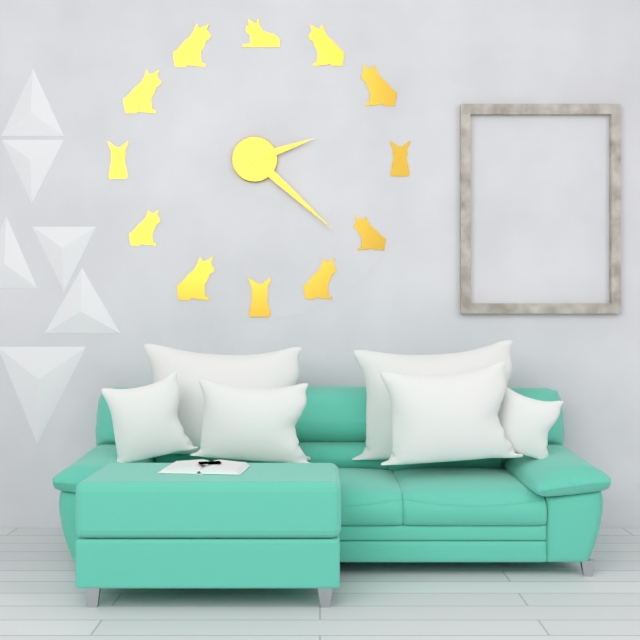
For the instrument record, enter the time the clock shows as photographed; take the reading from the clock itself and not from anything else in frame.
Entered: 2:22
